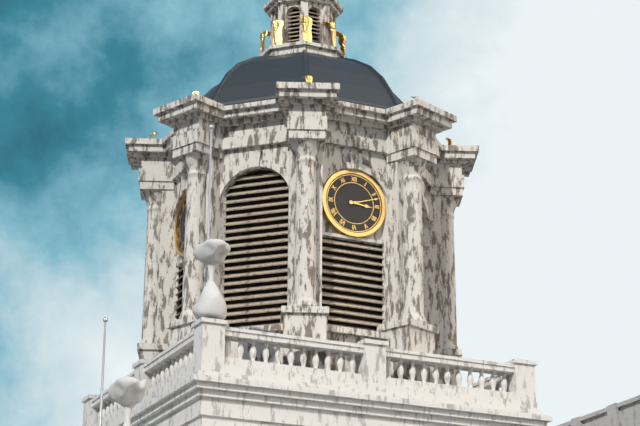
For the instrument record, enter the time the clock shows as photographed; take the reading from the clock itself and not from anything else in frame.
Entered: 3:12
